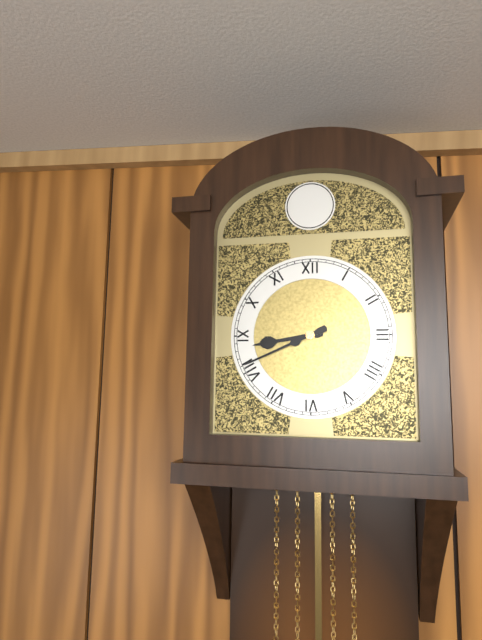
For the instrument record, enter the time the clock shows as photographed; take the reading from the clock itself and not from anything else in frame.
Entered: 8:41
